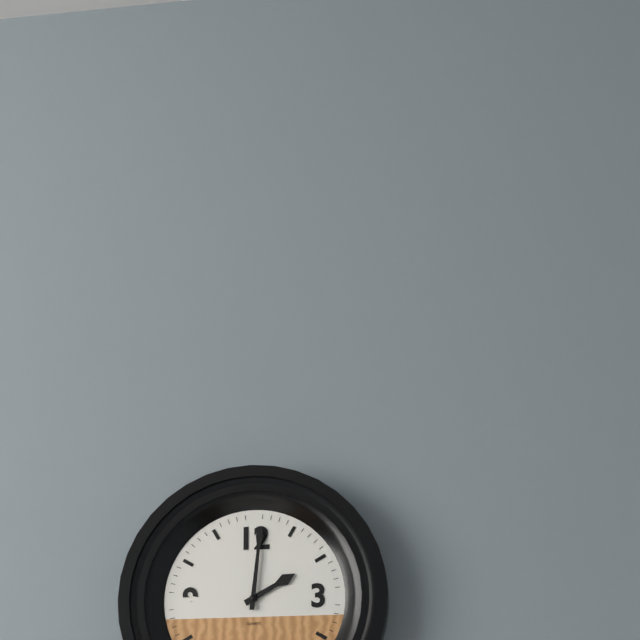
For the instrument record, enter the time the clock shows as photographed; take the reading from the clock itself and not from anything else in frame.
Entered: 2:01
